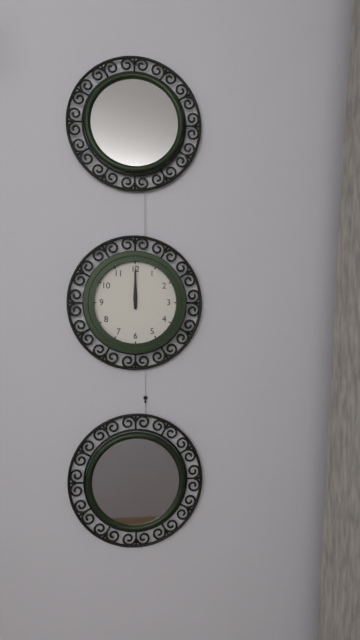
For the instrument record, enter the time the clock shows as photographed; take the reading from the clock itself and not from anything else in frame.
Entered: 12:00
